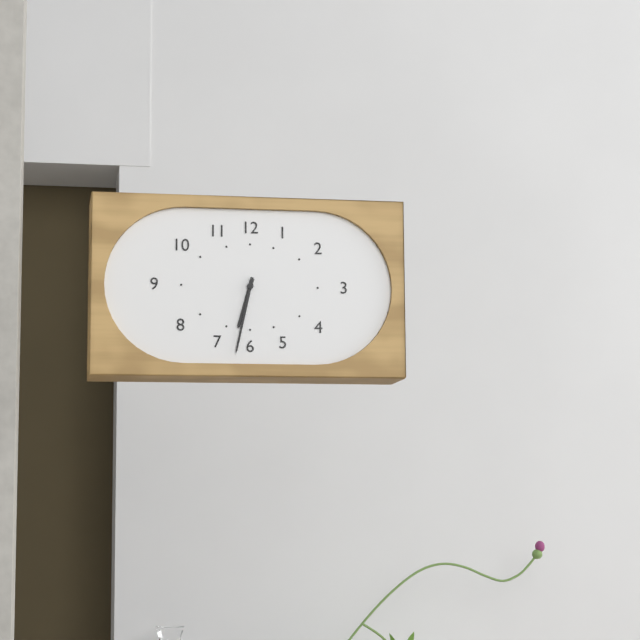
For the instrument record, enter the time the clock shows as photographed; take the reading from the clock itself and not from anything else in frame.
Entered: 6:32
